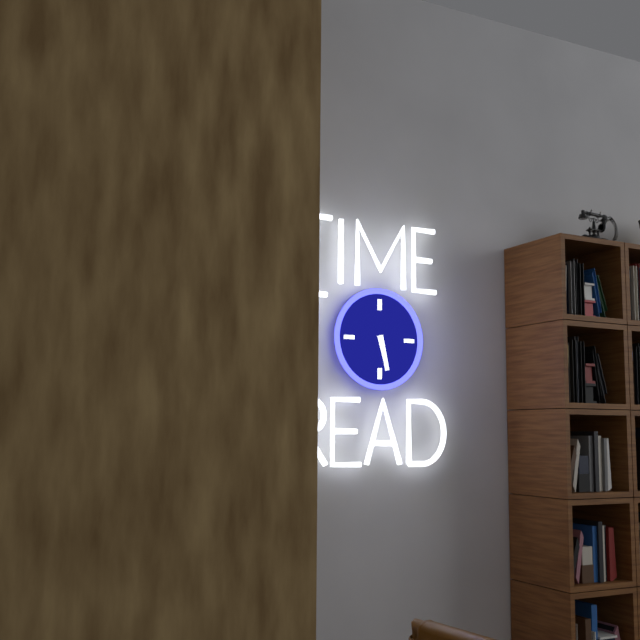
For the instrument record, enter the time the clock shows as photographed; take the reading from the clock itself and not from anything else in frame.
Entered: 5:28
